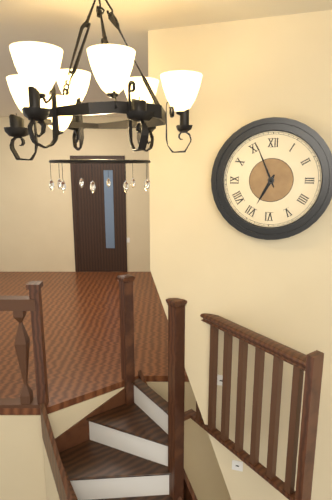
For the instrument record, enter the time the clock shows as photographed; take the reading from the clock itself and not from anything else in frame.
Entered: 6:56
